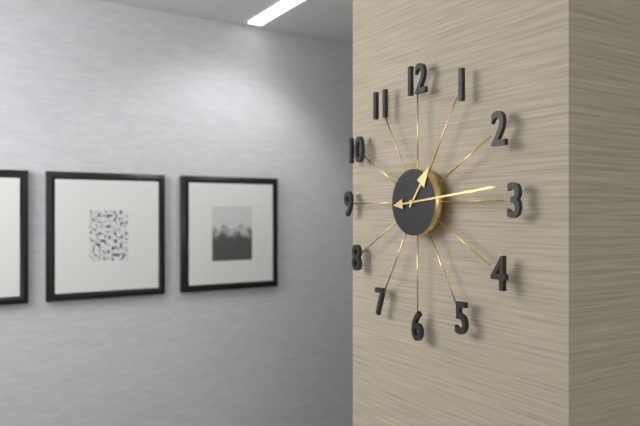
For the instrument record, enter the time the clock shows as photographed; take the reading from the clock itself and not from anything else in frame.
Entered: 1:14
